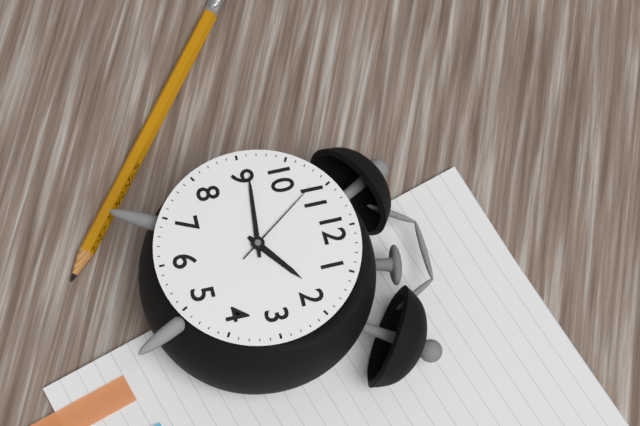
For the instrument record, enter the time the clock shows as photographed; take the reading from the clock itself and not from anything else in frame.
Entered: 1:46:54
